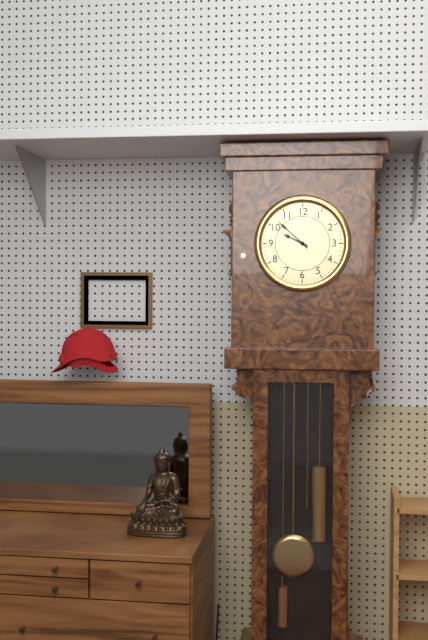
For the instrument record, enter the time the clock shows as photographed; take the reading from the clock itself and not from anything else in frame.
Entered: 9:52
